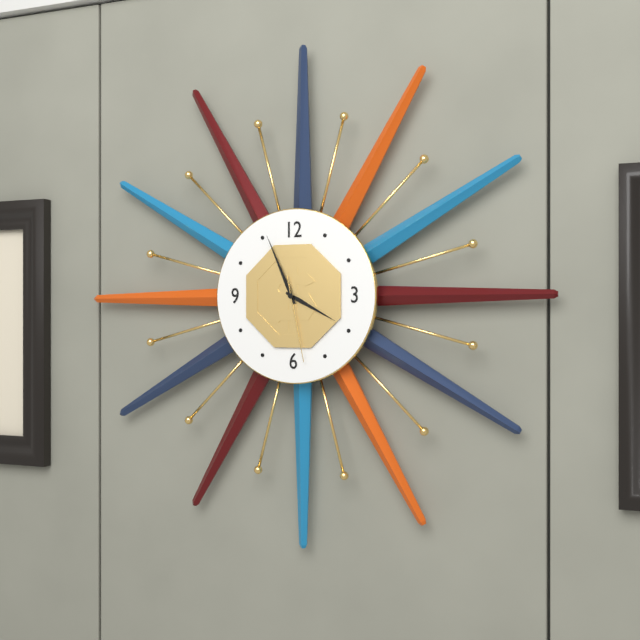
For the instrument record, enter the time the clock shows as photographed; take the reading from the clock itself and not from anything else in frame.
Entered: 3:56:28
